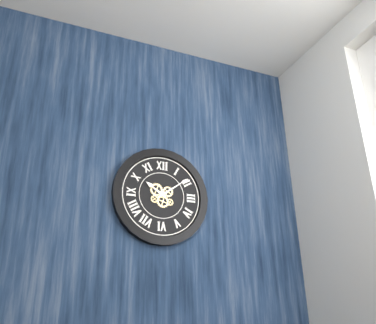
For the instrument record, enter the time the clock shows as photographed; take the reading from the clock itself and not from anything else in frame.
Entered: 10:09
